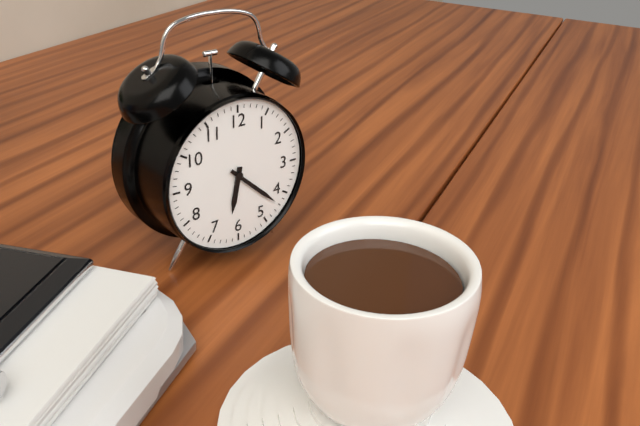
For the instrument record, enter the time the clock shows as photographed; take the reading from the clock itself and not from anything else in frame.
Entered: 6:22
